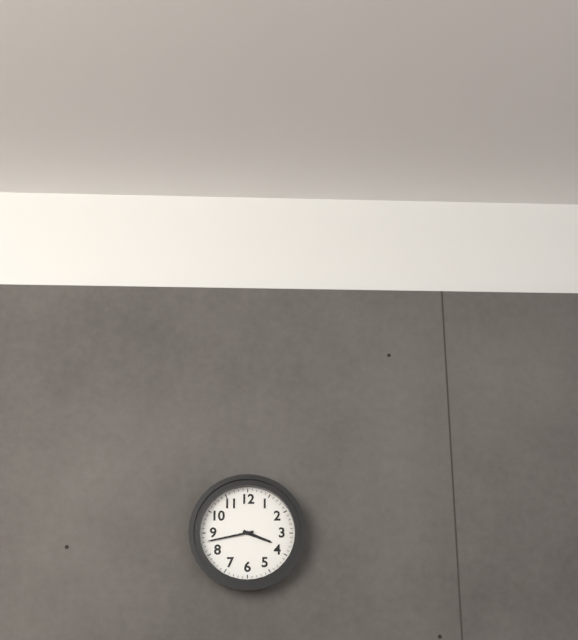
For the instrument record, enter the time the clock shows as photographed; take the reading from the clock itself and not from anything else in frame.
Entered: 3:43
